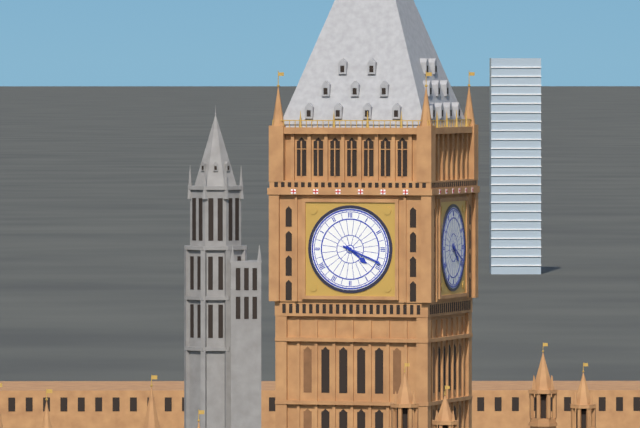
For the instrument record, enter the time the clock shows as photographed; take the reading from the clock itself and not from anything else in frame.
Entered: 4:19
